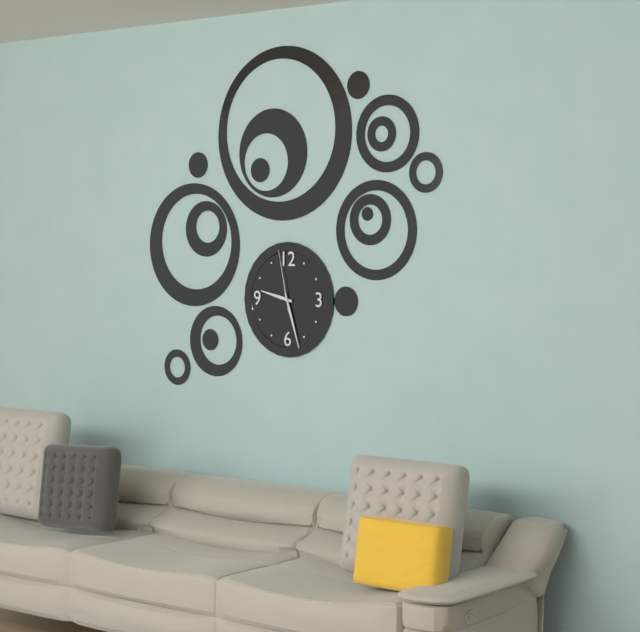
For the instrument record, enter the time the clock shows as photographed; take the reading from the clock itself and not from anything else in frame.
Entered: 9:27:58
